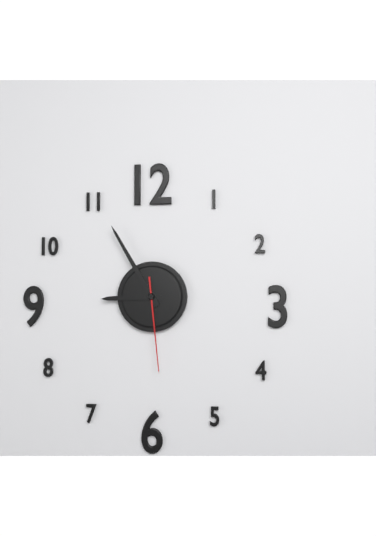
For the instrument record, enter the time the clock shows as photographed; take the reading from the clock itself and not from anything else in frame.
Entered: 8:55:29
